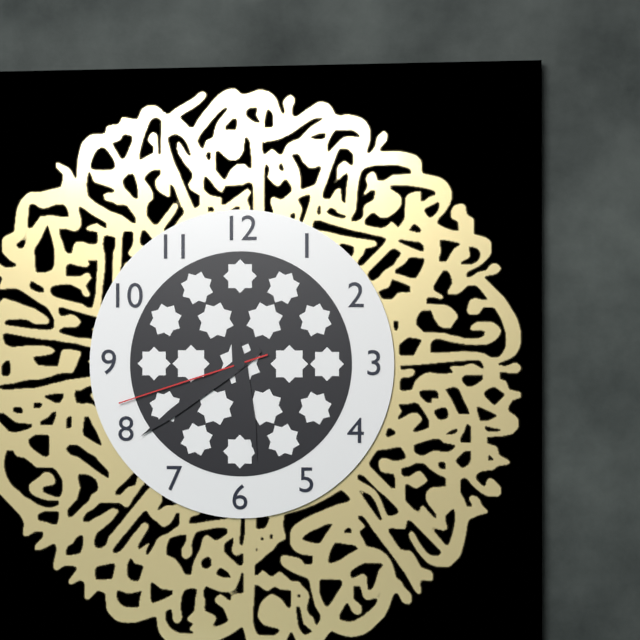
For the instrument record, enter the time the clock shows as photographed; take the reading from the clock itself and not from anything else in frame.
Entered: 5:39:42
